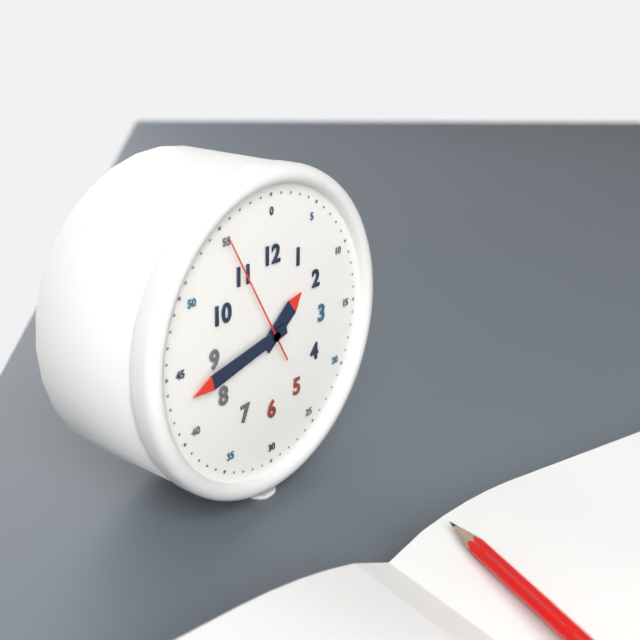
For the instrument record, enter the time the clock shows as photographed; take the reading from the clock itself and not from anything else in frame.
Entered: 1:43:55
